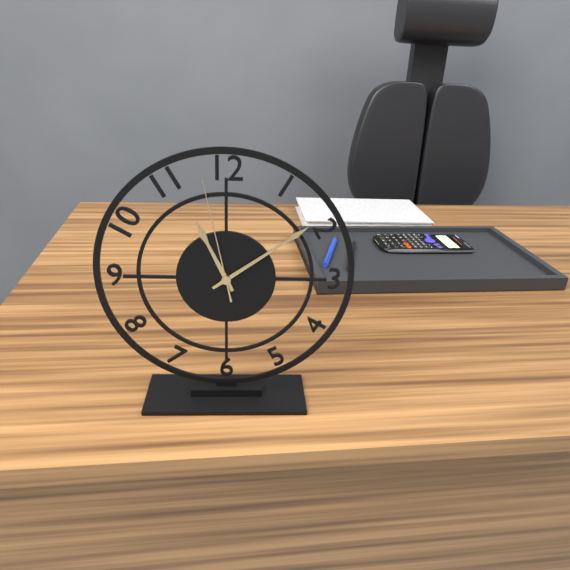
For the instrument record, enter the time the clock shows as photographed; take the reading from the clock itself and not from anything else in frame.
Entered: 11:09:58
